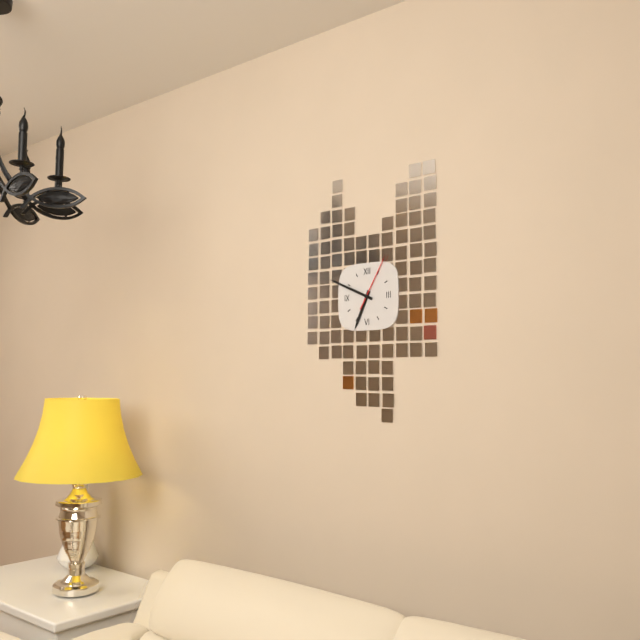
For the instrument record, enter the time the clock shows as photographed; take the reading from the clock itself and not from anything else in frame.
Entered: 6:49:05
